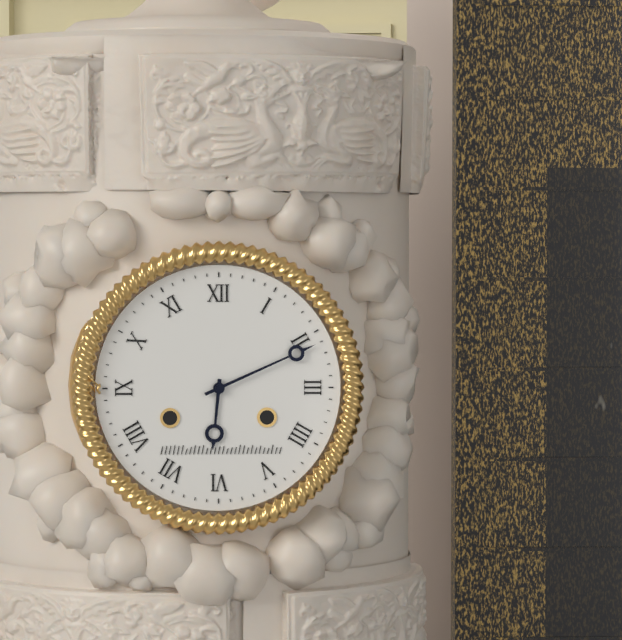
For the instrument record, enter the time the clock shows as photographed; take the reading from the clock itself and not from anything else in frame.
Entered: 6:11
